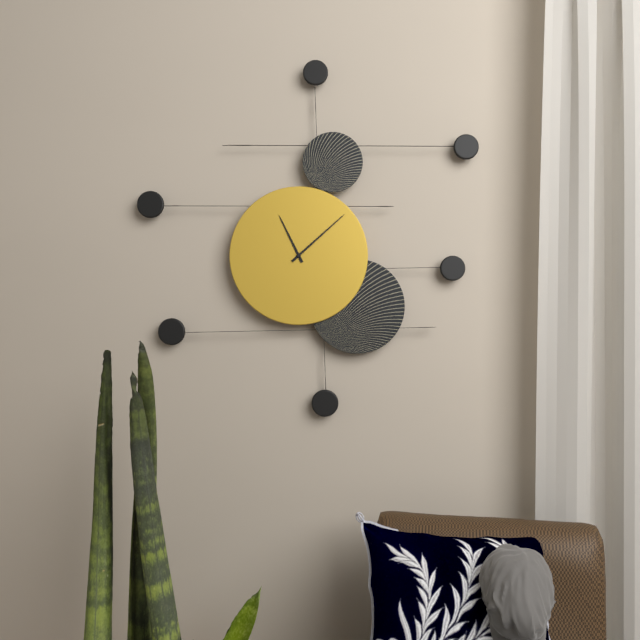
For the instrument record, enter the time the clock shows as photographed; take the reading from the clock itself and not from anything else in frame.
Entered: 11:08
